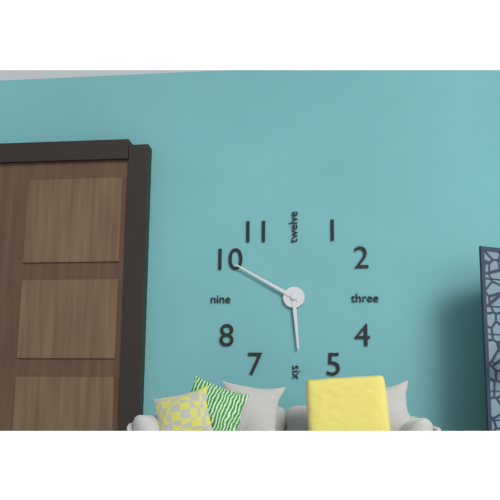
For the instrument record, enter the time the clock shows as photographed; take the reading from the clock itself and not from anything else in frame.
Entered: 5:50
